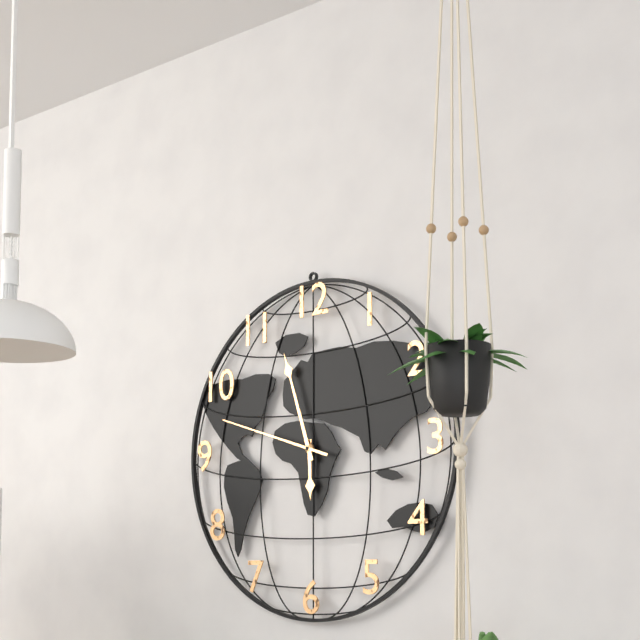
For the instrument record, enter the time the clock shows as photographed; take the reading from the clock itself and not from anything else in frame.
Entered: 5:57:48
